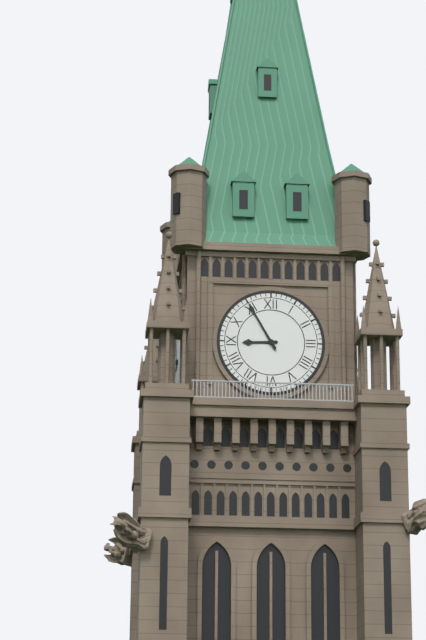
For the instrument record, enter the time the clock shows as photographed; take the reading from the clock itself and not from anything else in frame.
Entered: 8:55
